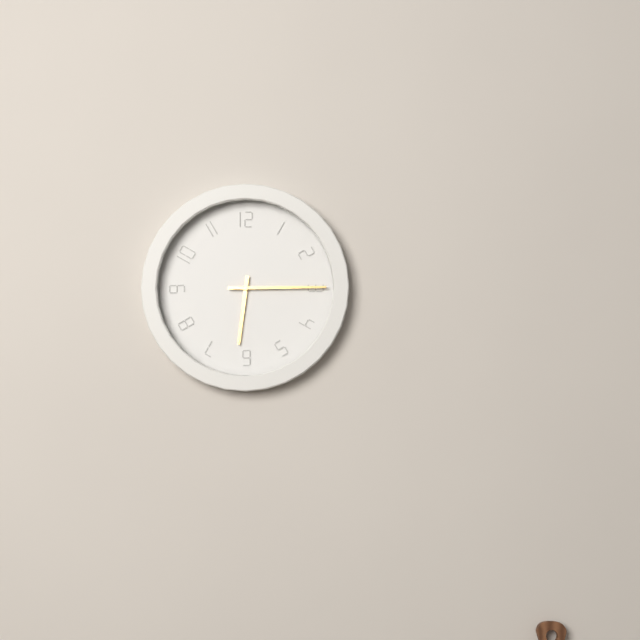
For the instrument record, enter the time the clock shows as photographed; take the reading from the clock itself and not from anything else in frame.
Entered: 6:15
